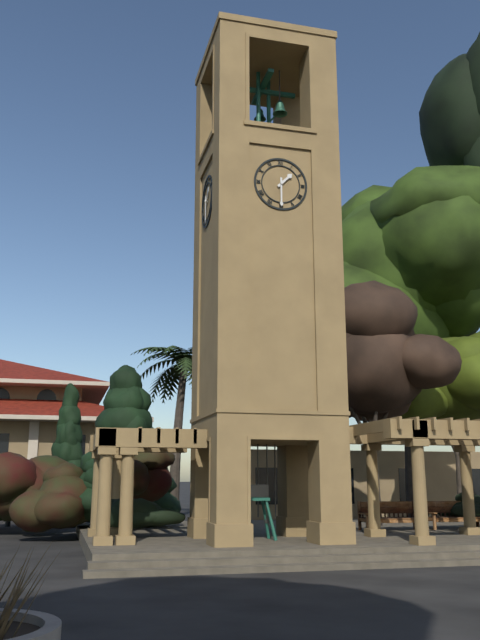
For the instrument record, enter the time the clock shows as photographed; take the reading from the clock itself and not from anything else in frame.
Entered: 1:30
